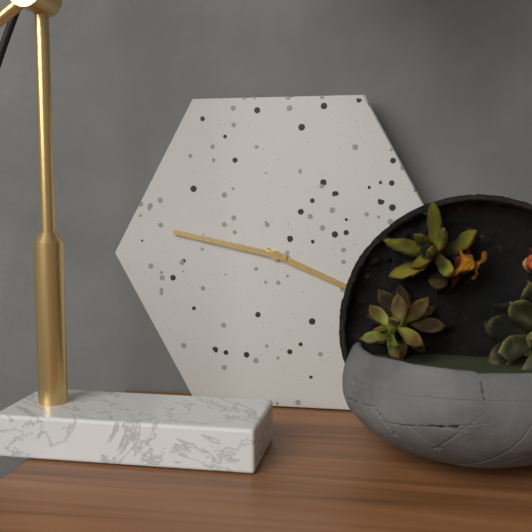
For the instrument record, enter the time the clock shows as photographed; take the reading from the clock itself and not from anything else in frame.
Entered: 3:47
